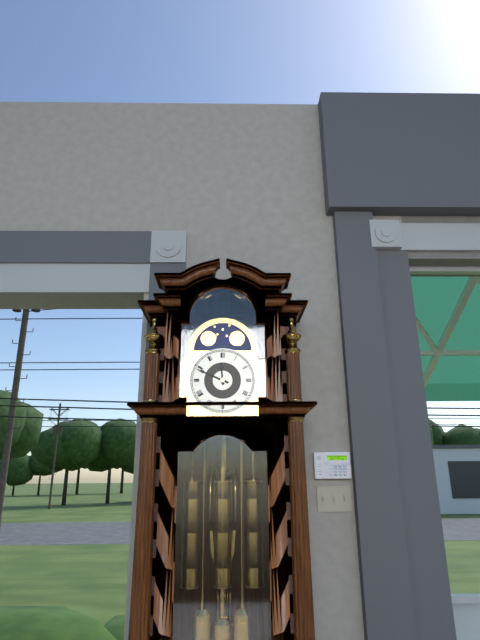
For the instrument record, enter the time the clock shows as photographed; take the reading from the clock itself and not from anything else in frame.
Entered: 11:49
